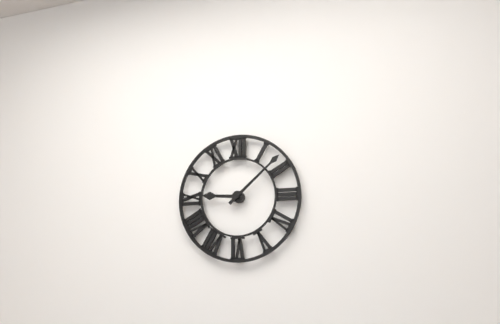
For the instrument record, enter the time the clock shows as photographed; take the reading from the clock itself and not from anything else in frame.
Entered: 9:08
